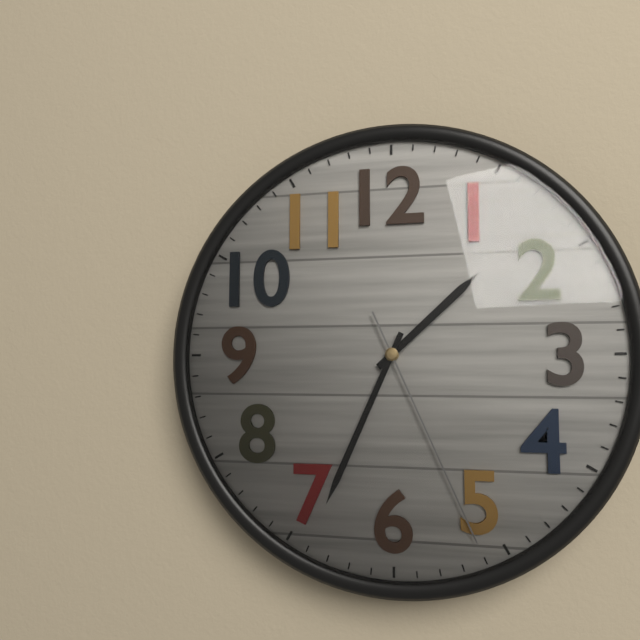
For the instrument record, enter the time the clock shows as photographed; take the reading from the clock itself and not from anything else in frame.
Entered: 1:34:26
